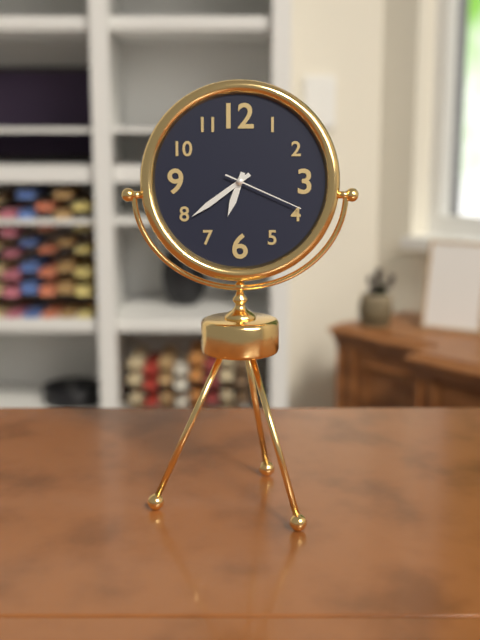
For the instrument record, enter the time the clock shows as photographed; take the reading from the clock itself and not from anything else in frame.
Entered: 6:39:19
